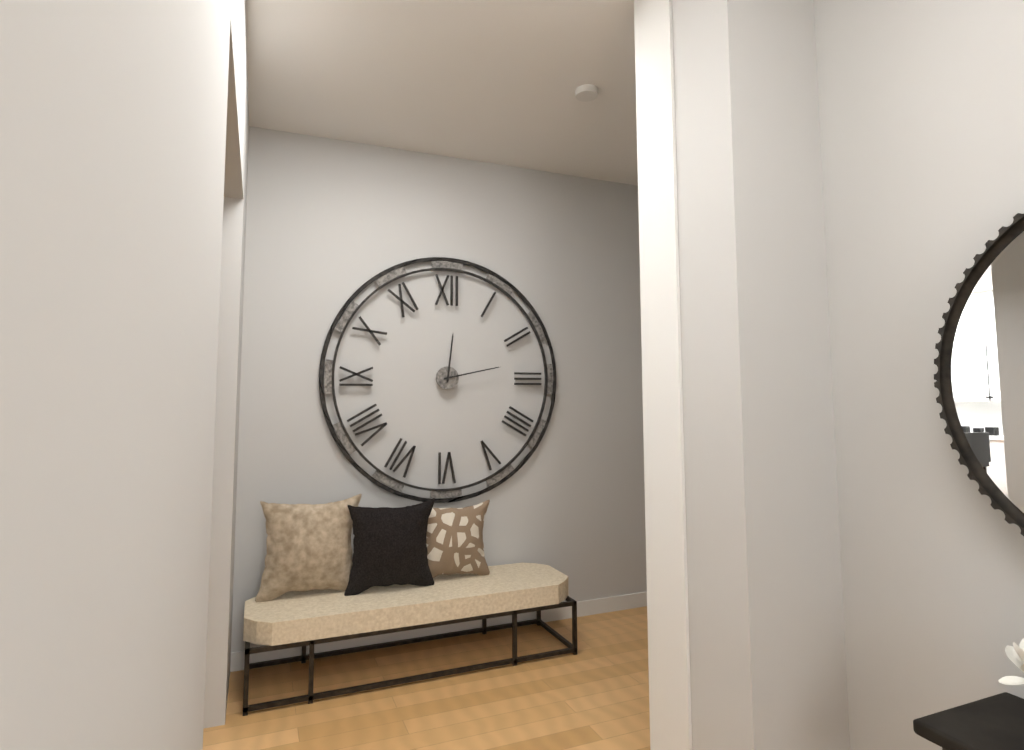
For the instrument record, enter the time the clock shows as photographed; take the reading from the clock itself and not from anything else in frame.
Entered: 12:13
